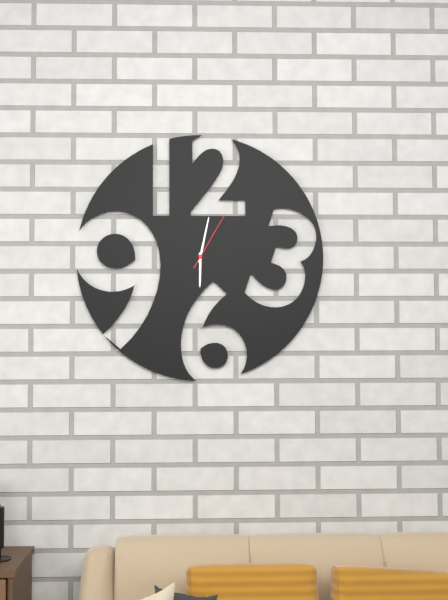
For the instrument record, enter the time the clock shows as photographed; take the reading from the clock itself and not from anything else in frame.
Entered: 6:02:05
